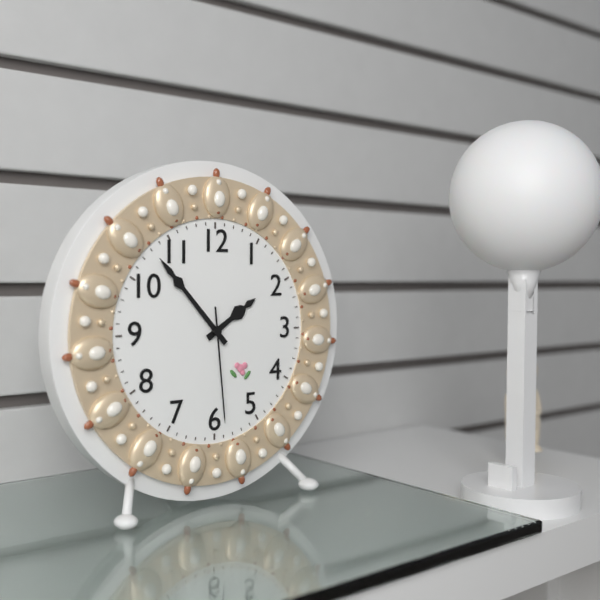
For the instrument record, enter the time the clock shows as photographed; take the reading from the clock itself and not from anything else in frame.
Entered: 1:53:29
